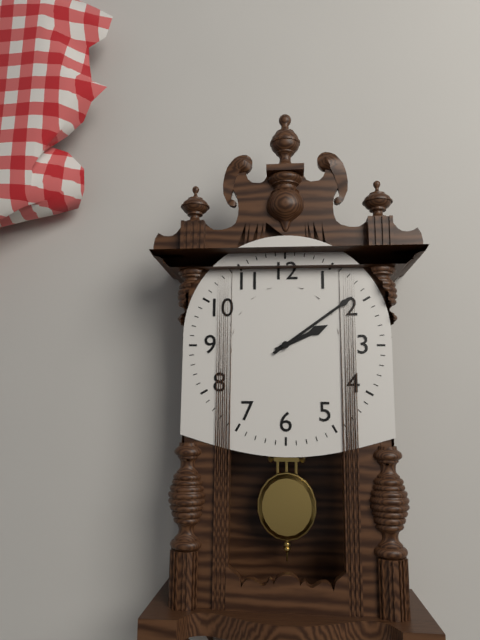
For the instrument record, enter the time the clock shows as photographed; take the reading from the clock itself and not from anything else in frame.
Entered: 2:09
